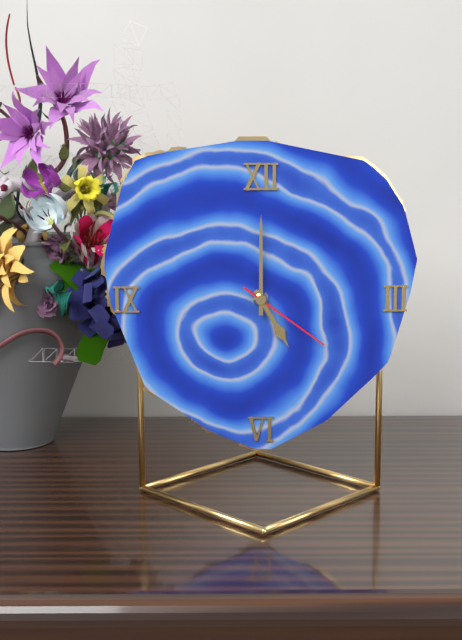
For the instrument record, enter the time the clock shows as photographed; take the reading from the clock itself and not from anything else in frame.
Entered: 5:00:21
